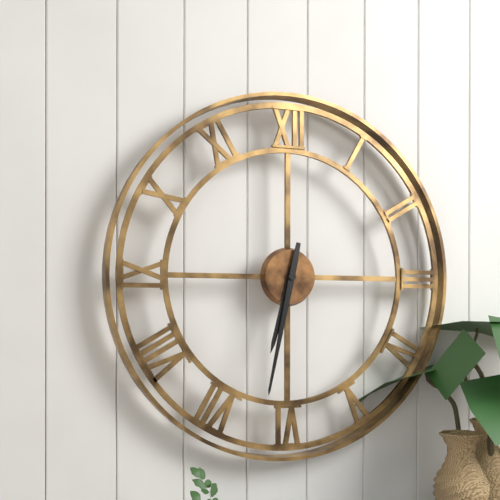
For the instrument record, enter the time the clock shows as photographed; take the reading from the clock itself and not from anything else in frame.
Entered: 6:32
